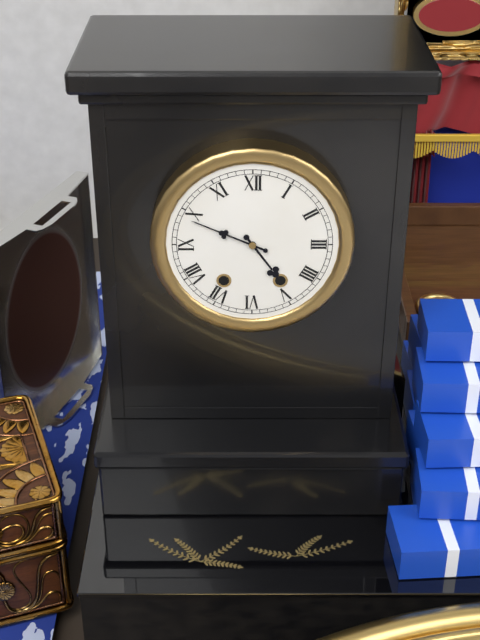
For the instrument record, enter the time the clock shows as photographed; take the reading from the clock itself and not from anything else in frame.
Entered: 4:49
